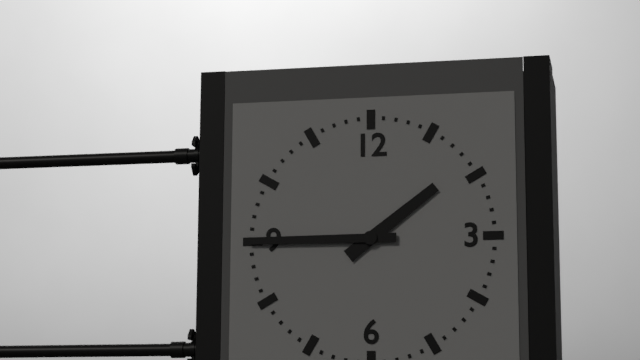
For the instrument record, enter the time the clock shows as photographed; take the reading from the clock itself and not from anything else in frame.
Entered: 1:45
